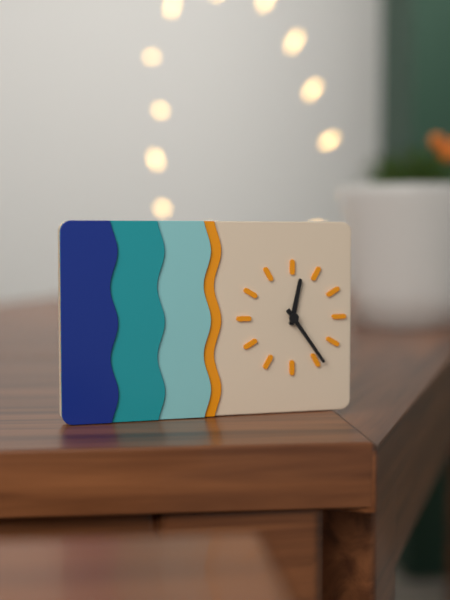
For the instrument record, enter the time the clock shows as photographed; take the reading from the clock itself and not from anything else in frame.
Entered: 12:24
